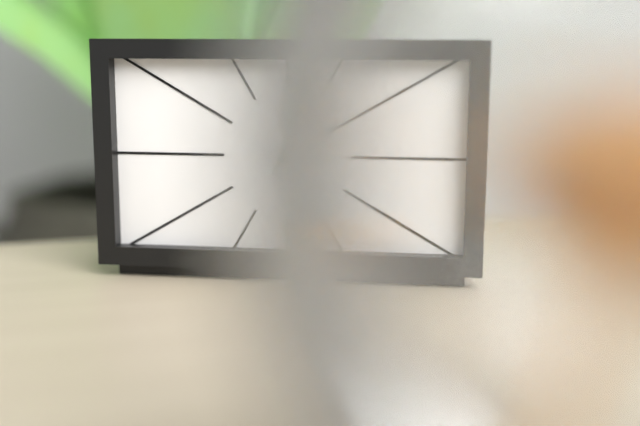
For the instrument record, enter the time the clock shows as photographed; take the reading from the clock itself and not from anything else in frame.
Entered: 5:10:07
